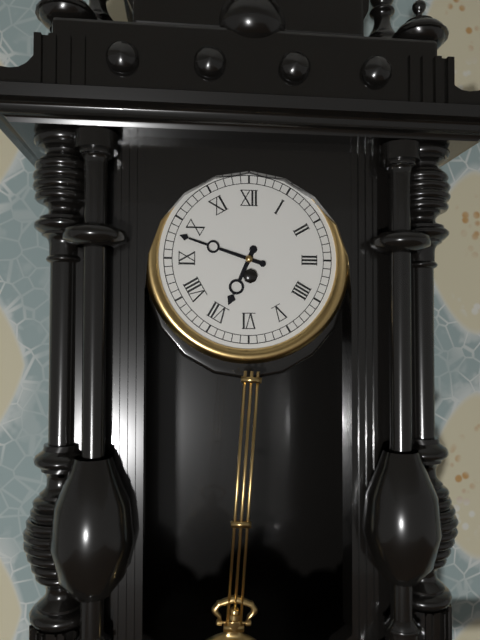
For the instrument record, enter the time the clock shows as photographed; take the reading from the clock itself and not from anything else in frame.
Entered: 6:48
